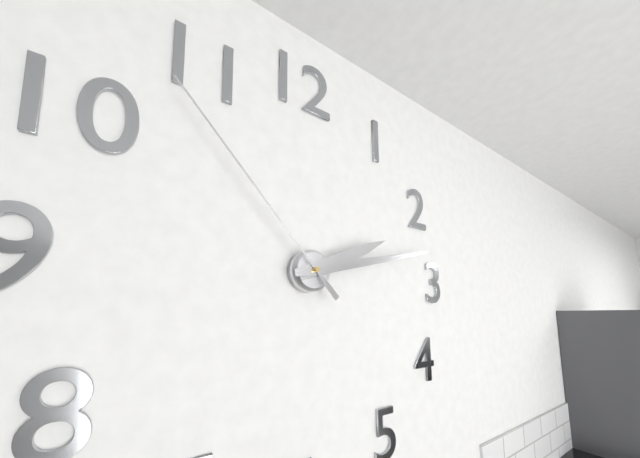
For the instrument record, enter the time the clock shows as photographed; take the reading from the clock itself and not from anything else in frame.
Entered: 2:13:53
